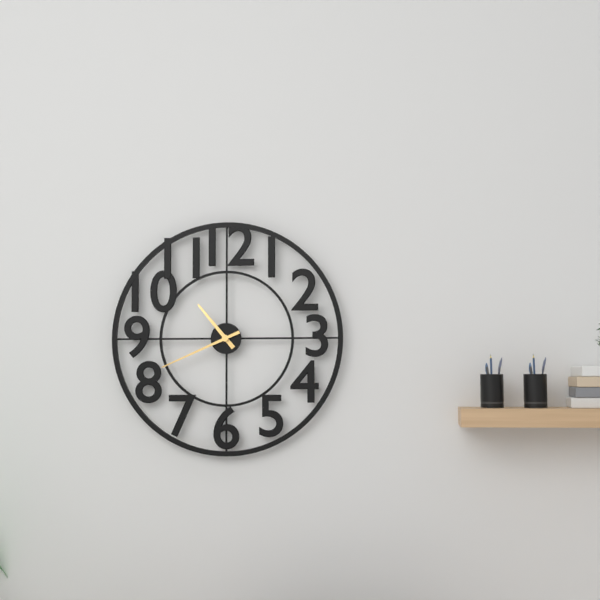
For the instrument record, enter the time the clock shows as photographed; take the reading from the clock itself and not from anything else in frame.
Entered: 10:41
